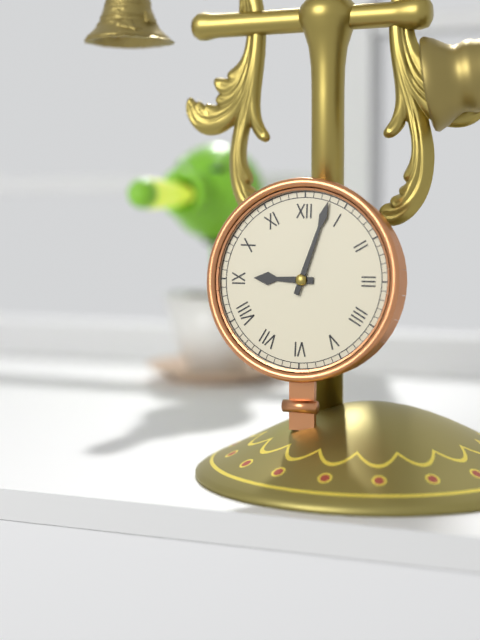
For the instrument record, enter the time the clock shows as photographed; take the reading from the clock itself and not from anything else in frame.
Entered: 9:03
